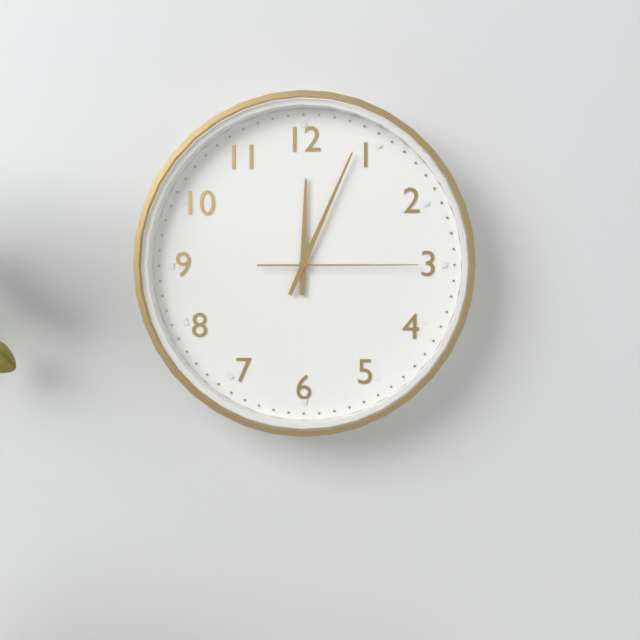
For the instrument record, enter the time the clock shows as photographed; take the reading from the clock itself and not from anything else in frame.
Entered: 12:04:15
